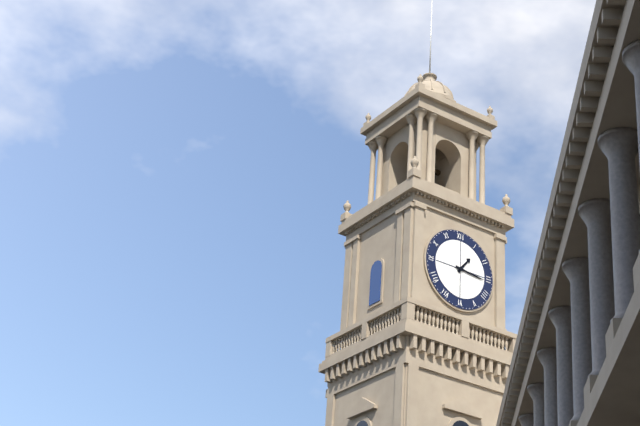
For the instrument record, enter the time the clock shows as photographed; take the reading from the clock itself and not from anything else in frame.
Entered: 1:16
